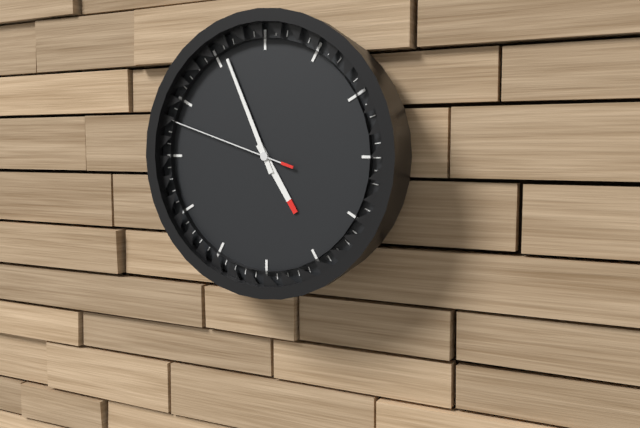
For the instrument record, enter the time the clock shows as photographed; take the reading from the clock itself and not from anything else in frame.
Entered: 4:56:48
